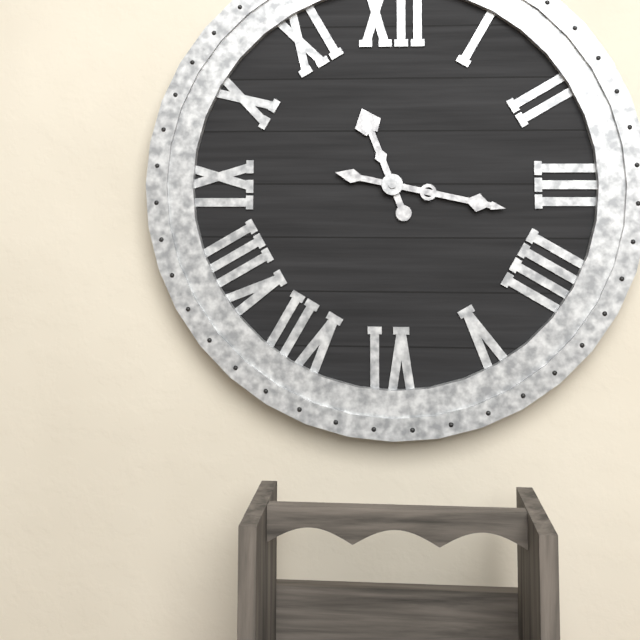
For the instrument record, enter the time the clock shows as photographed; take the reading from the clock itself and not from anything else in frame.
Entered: 11:17
